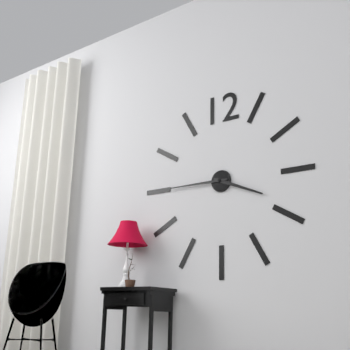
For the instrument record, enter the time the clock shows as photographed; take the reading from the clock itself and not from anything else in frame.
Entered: 3:45
